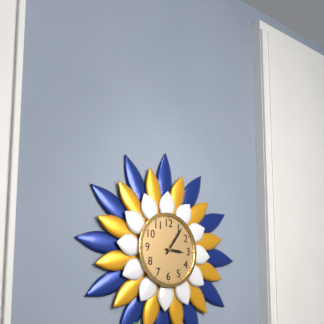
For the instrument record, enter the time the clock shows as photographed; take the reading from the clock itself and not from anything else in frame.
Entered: 3:06
